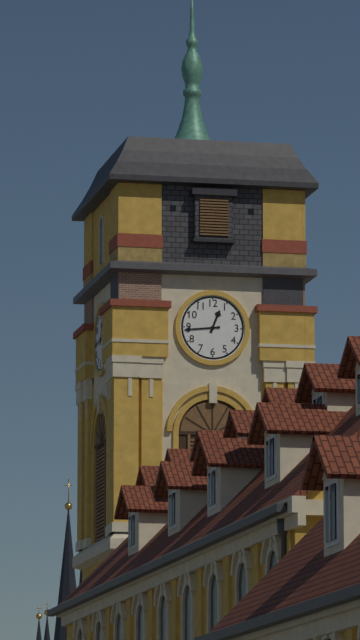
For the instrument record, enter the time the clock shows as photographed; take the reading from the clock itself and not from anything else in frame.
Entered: 12:44
